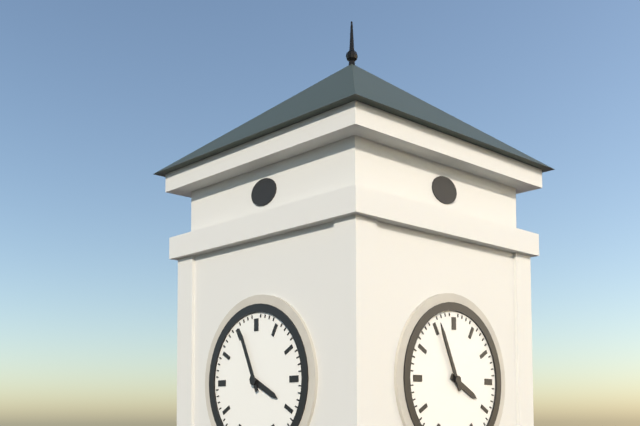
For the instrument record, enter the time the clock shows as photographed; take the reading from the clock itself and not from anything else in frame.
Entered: 3:56
